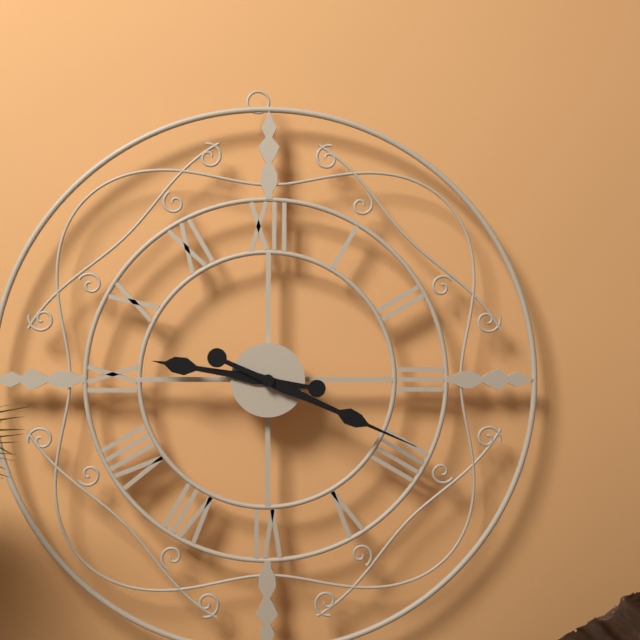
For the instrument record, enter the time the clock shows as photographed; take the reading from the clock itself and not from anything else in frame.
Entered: 9:19
